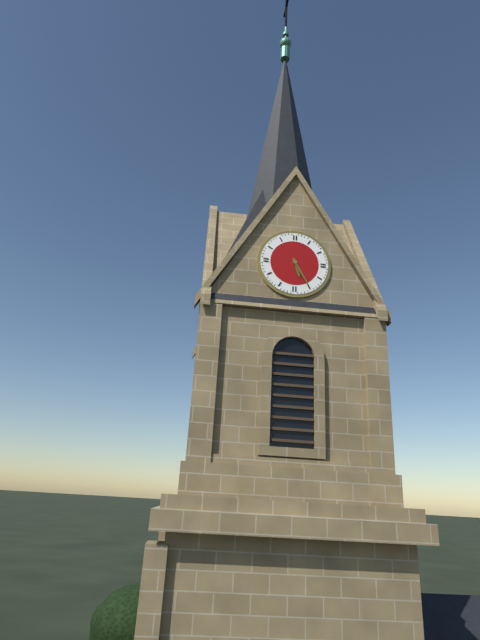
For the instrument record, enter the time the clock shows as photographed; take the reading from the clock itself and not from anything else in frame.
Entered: 5:25
